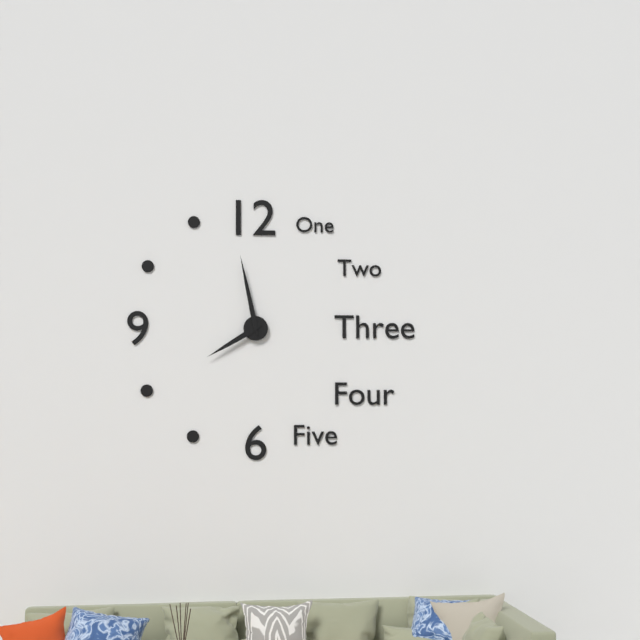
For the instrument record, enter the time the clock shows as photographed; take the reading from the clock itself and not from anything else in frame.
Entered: 7:58
